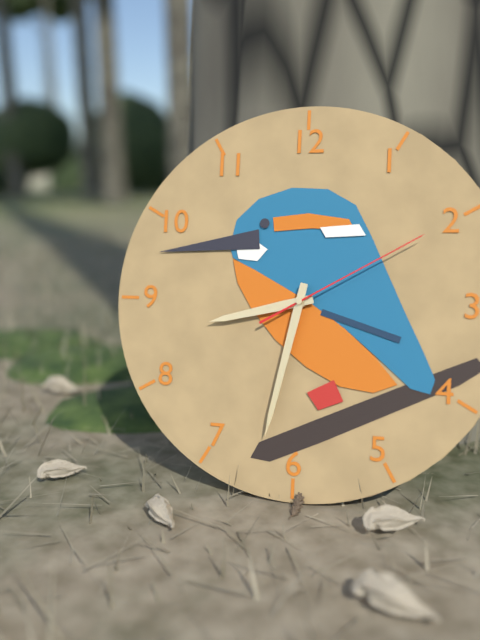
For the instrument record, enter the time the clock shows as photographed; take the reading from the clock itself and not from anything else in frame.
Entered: 8:32:10
